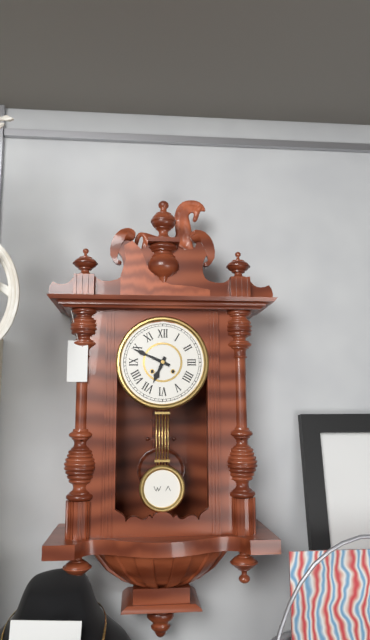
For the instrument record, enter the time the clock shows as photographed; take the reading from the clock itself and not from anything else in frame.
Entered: 6:49
